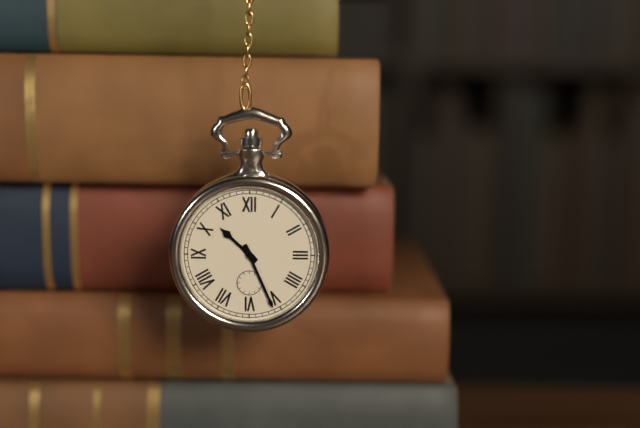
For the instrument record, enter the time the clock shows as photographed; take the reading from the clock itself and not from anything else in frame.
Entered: 10:26
